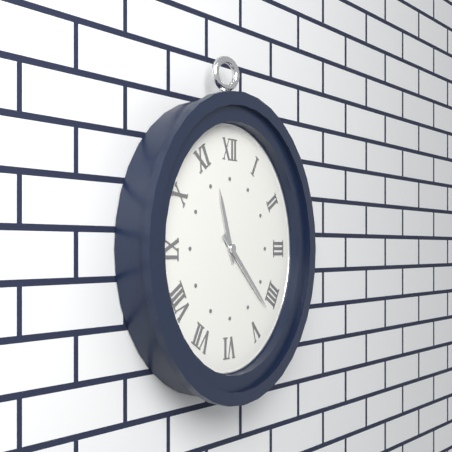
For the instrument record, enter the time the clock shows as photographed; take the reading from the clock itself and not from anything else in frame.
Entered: 11:22
